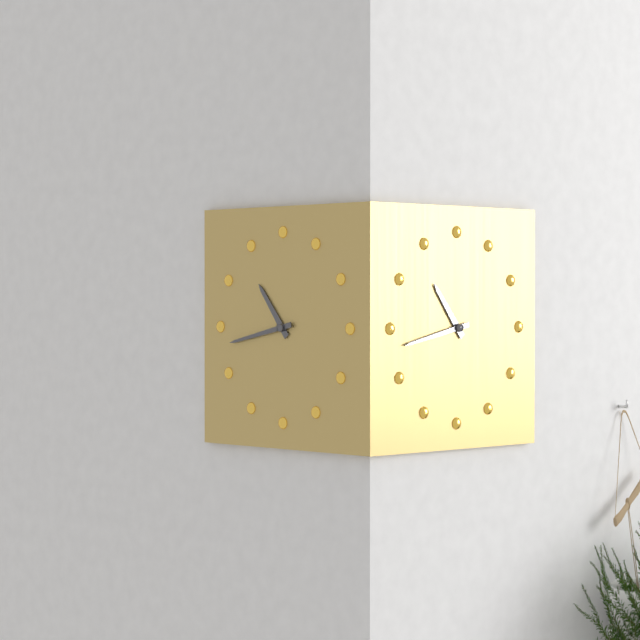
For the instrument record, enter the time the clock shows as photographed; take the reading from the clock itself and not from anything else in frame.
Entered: 10:43
